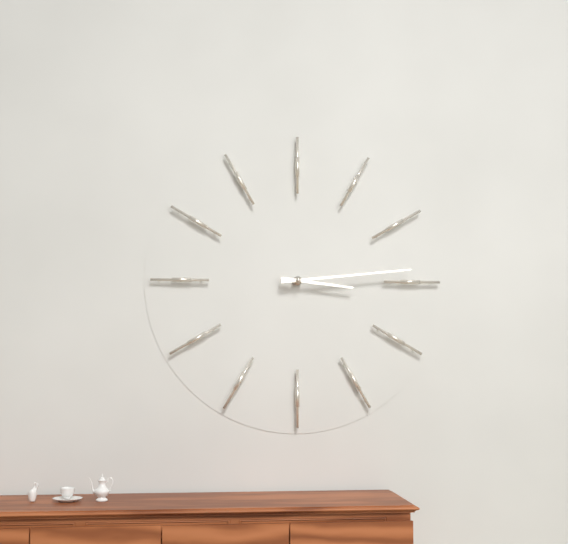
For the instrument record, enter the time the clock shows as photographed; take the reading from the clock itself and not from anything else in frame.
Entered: 3:14
